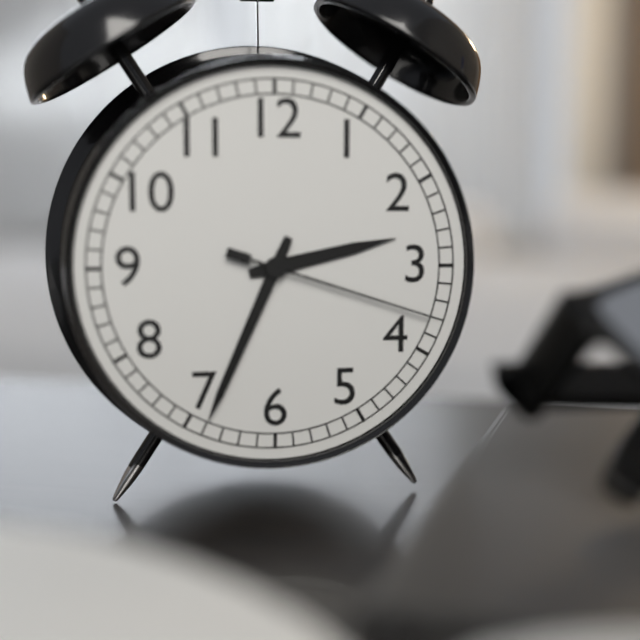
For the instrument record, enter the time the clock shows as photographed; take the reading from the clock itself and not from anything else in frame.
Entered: 2:34:18
